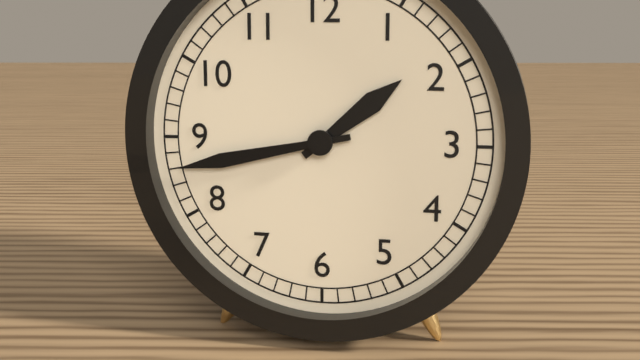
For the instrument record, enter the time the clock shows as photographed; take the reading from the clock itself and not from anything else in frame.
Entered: 1:43
